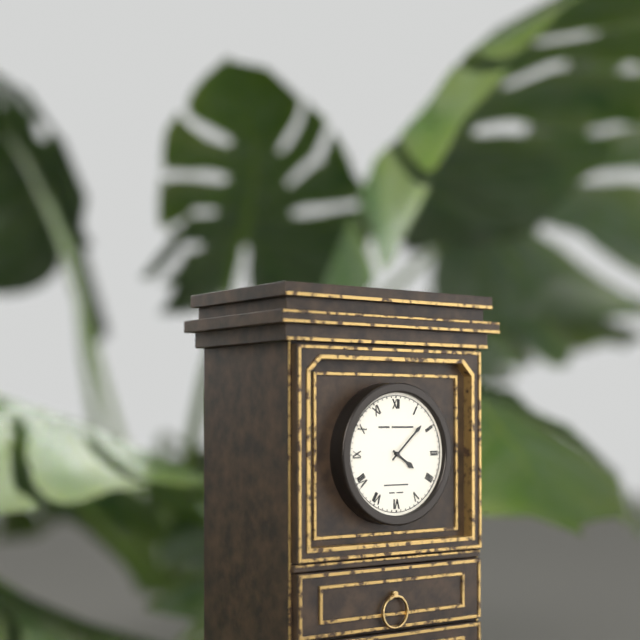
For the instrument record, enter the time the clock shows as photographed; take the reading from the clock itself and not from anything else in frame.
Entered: 4:08
